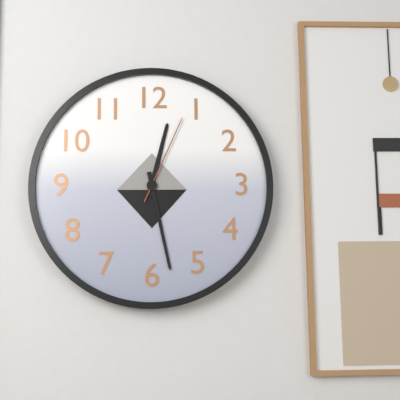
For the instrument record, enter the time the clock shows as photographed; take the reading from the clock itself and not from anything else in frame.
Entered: 12:28:04
